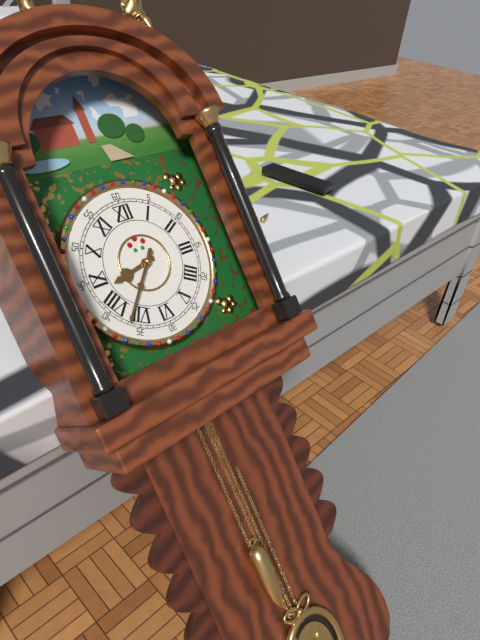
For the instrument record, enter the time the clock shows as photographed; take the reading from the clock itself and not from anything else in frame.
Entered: 8:37
